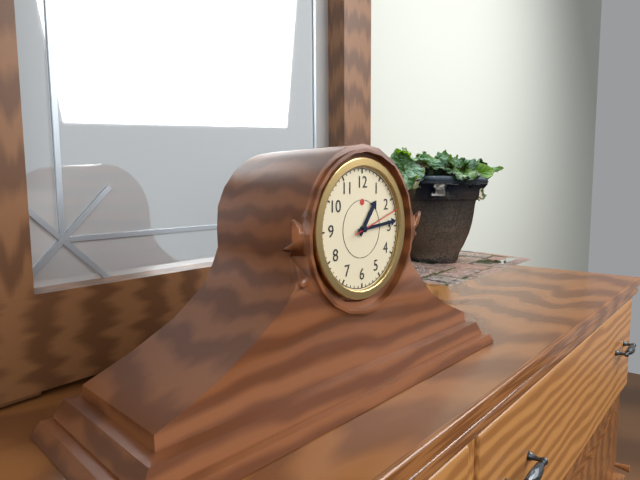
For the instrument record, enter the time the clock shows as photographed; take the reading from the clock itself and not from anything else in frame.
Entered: 1:14:12
